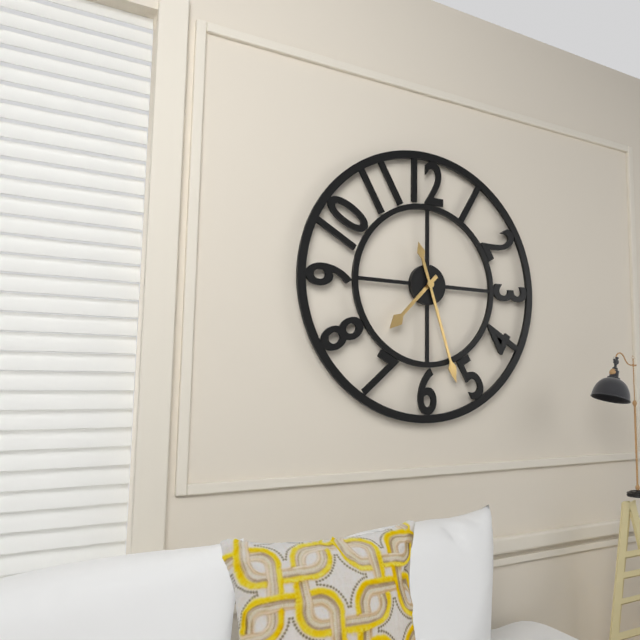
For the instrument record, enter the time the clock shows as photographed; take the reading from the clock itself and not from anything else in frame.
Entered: 7:27
